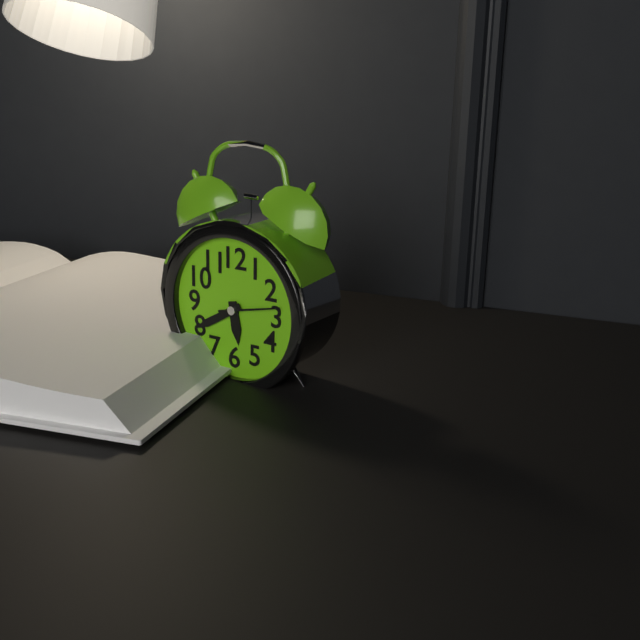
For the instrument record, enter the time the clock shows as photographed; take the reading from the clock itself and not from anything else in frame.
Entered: 5:40:13
